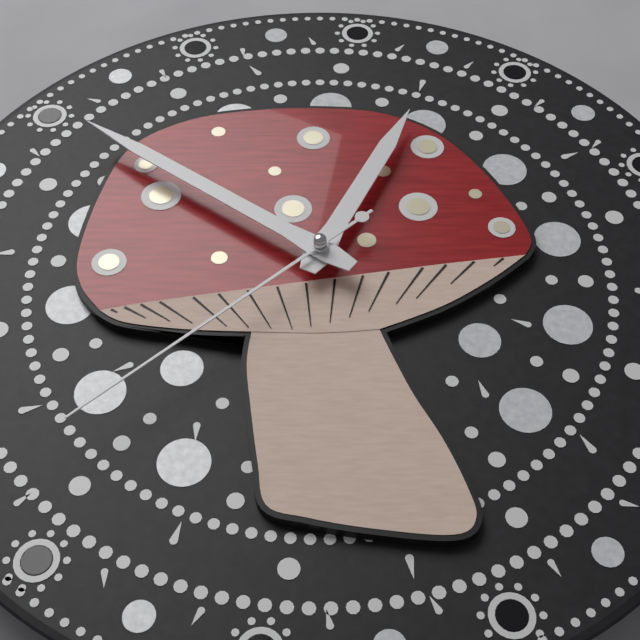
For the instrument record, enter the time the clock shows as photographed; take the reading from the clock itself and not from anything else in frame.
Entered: 12:51:38
